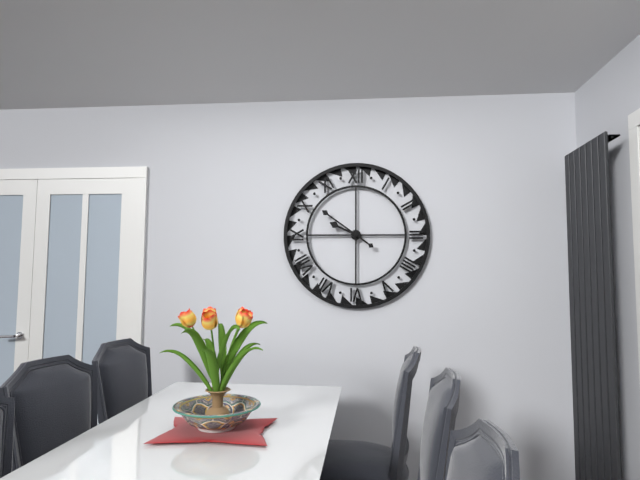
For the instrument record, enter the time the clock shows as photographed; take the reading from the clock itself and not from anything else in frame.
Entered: 9:51
